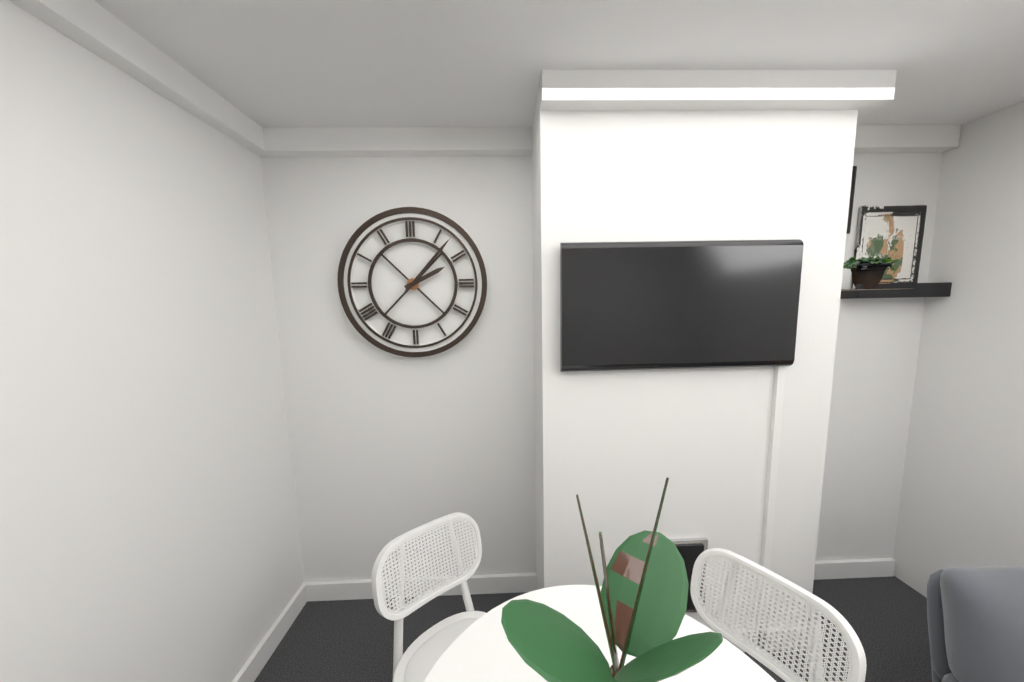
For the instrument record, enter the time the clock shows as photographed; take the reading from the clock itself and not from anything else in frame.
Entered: 2:07
